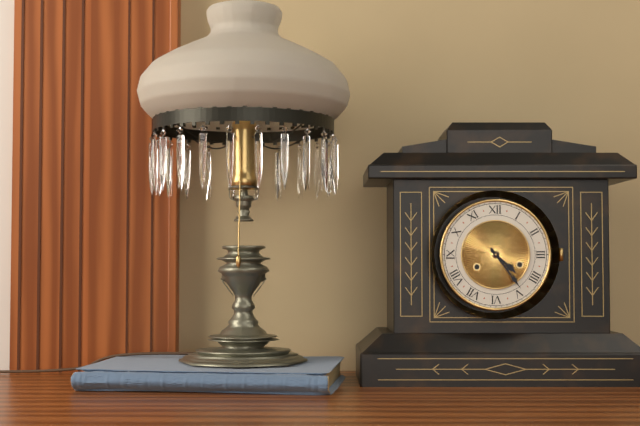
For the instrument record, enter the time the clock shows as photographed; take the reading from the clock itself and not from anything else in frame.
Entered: 4:24
